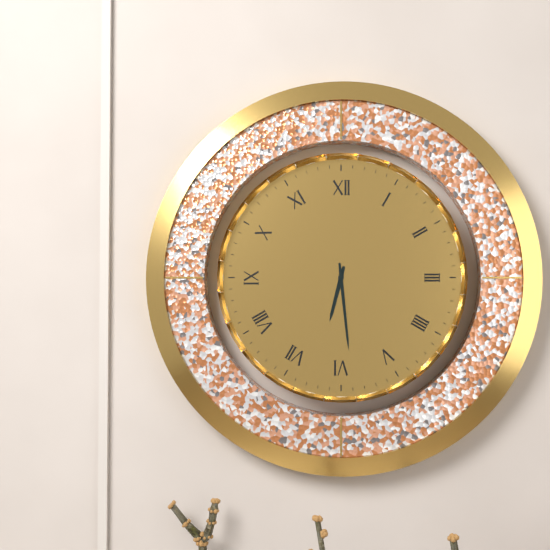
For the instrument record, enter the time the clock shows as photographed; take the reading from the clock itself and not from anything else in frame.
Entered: 6:29
